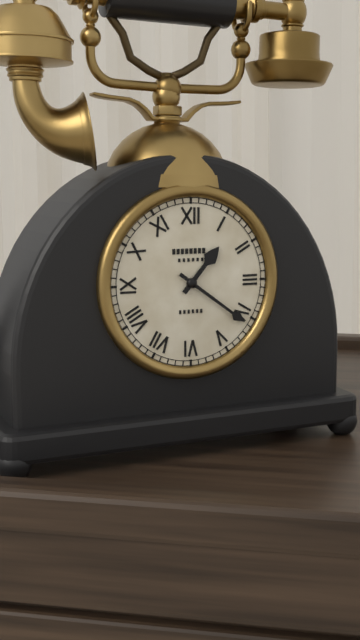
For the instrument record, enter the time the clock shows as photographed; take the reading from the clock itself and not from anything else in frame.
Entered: 1:21
